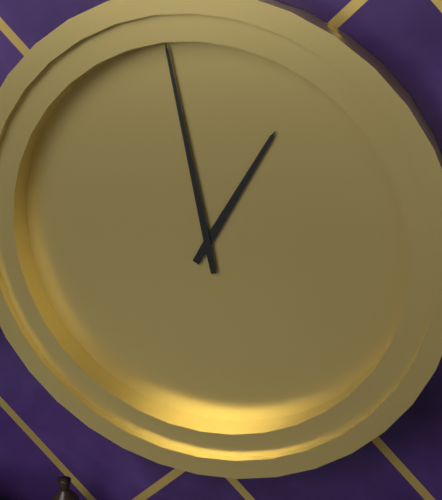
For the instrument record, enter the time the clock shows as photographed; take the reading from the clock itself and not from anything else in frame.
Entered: 12:58
